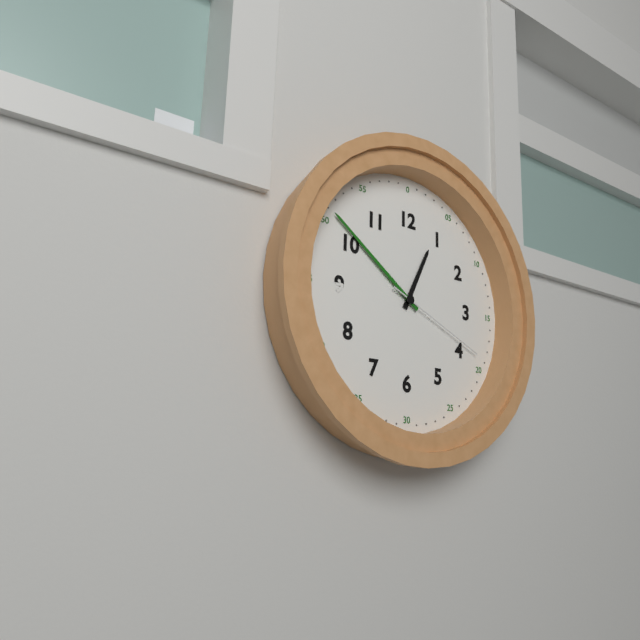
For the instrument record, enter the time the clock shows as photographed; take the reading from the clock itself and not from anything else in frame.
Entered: 12:51:19
